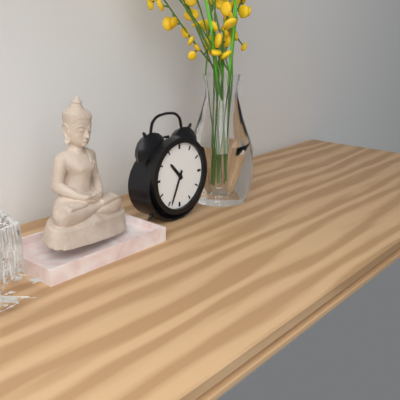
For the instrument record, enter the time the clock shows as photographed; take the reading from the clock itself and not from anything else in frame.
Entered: 10:34
